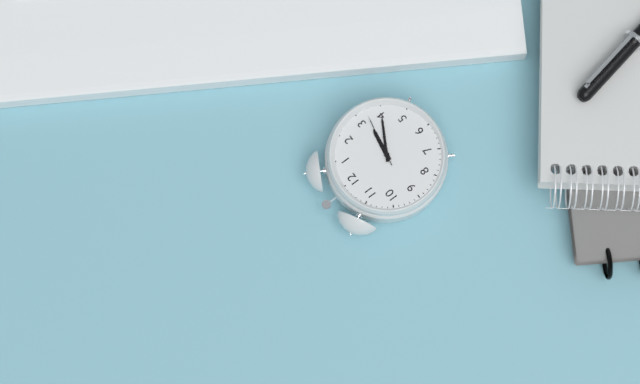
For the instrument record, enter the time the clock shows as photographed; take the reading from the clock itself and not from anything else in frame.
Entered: 3:20:17
